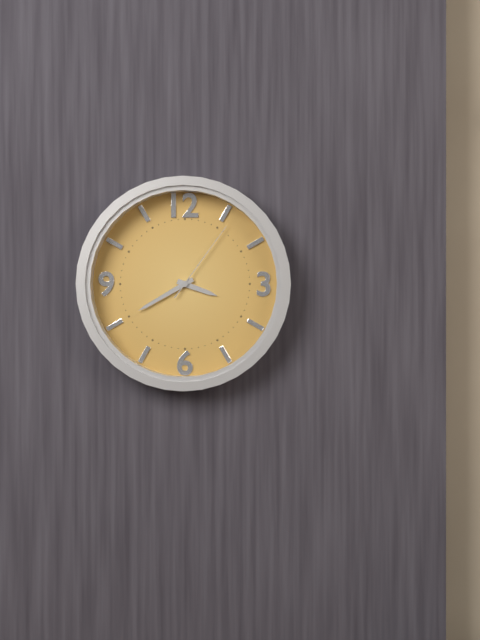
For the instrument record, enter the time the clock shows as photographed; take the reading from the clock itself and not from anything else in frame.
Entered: 3:40:06
